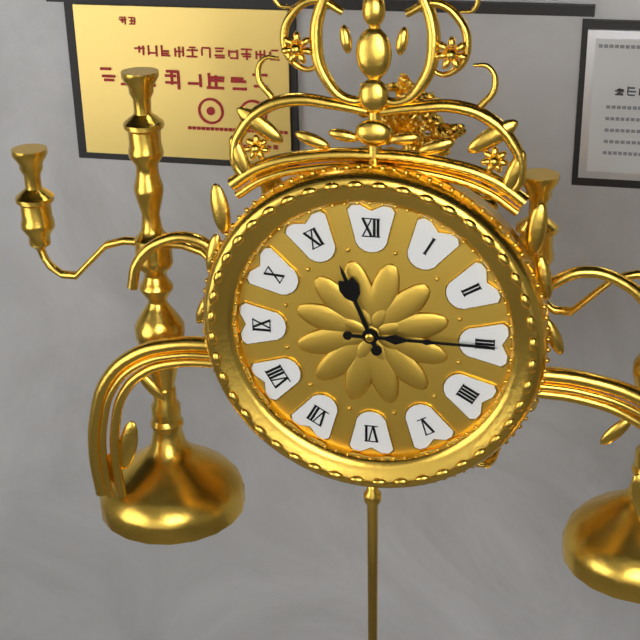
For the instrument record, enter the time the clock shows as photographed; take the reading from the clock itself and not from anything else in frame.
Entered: 11:15
